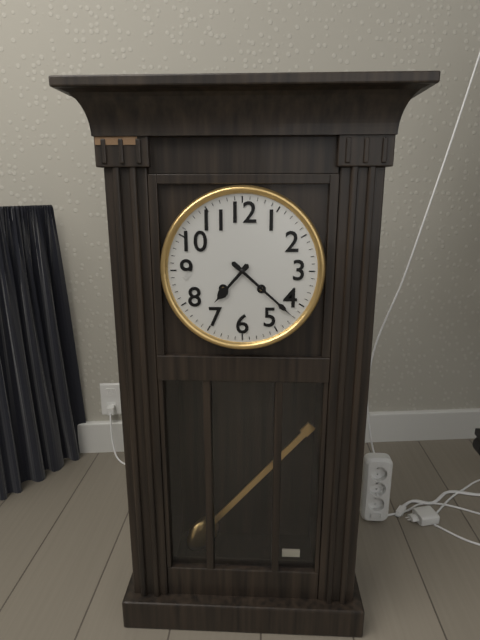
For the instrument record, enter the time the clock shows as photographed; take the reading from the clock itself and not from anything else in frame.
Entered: 7:22
